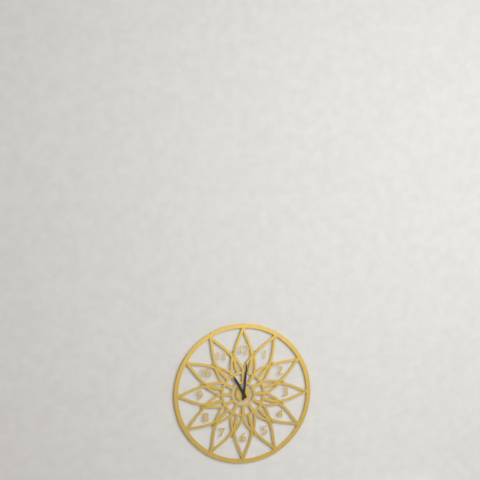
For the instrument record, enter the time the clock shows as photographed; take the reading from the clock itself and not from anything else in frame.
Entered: 11:01
